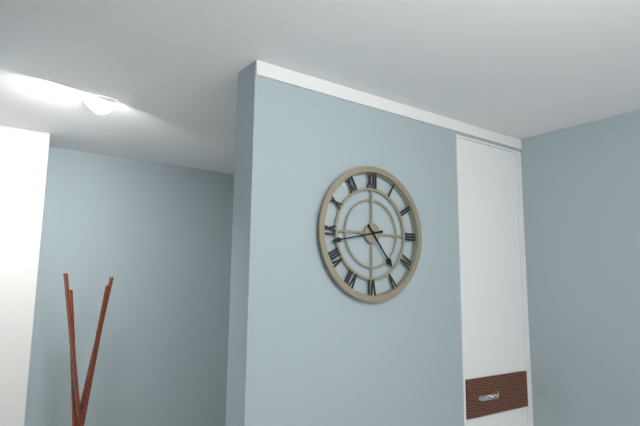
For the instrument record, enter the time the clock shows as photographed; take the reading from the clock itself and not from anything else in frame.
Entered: 4:43
